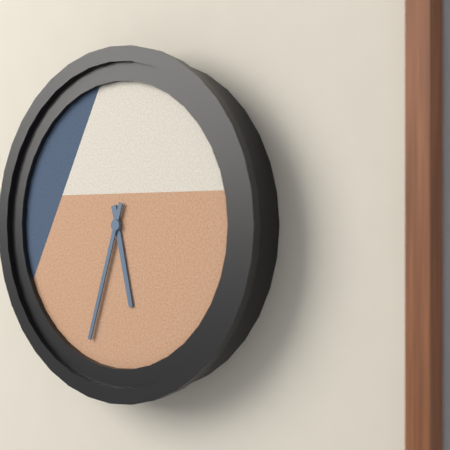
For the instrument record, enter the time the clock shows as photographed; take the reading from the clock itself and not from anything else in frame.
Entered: 5:33
